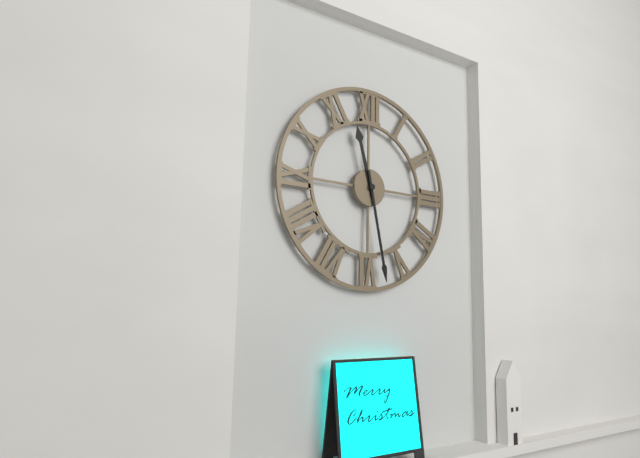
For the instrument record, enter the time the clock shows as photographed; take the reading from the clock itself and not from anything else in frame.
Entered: 11:28
